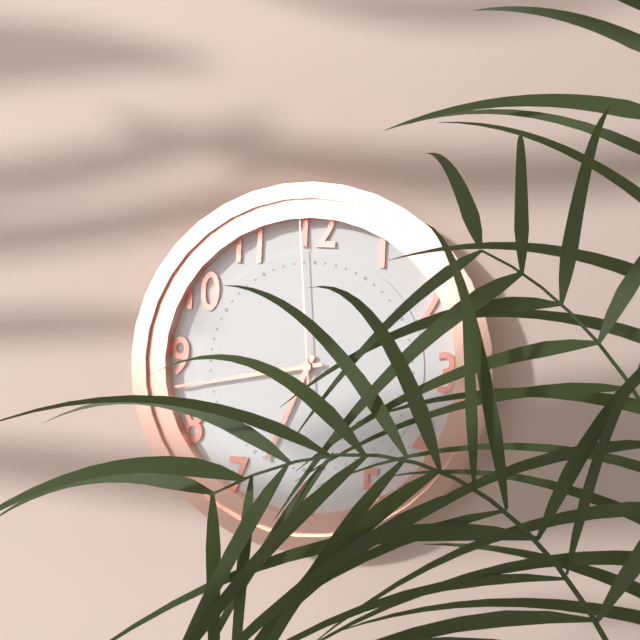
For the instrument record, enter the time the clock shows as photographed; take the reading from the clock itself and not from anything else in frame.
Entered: 6:43:59
